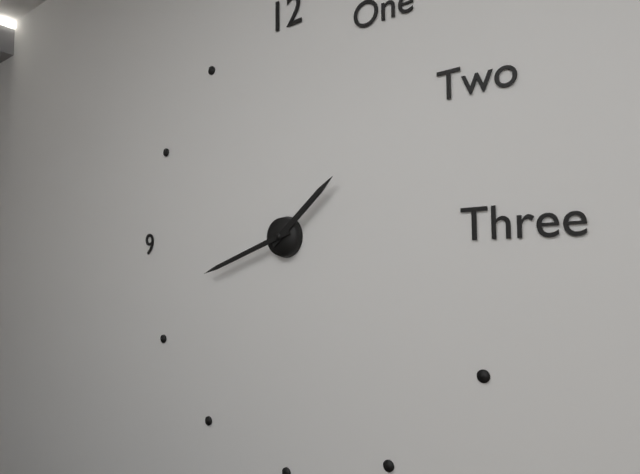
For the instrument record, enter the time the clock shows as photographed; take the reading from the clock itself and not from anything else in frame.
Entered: 1:42
